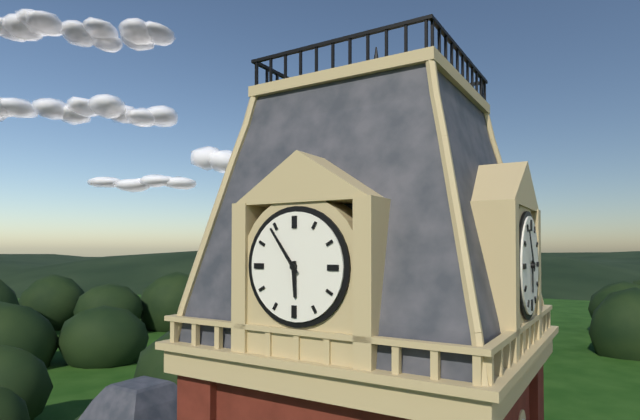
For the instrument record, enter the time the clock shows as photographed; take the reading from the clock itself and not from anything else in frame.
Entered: 5:54
